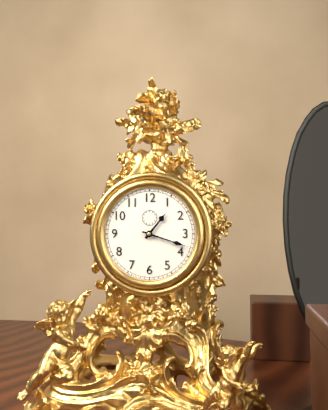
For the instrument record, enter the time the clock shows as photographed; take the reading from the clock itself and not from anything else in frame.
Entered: 1:18
